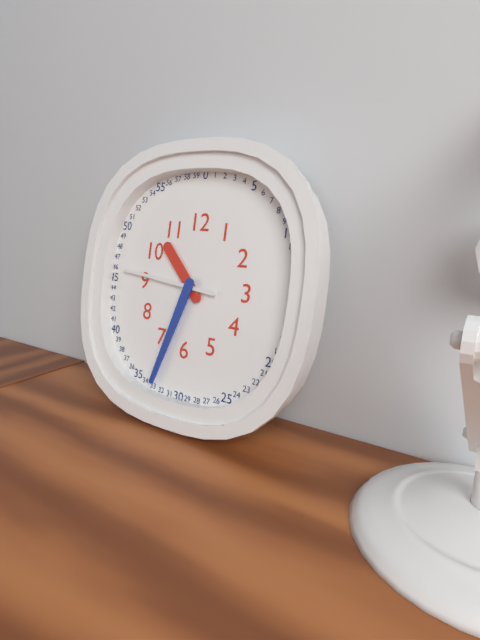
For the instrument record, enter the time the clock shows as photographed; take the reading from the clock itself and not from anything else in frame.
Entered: 10:33:46
